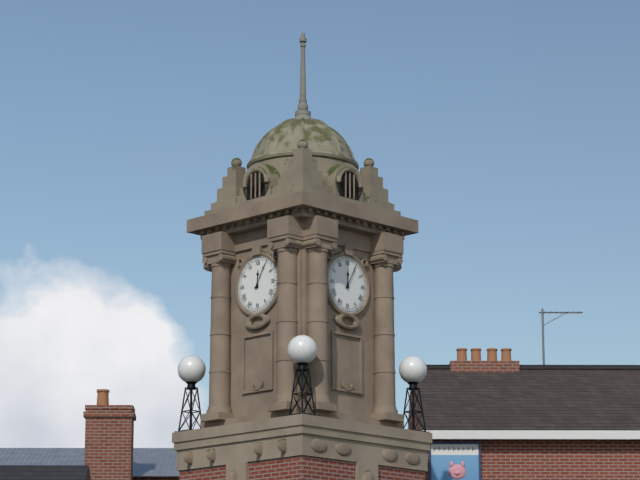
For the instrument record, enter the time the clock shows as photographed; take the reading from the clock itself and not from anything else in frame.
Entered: 12:05
